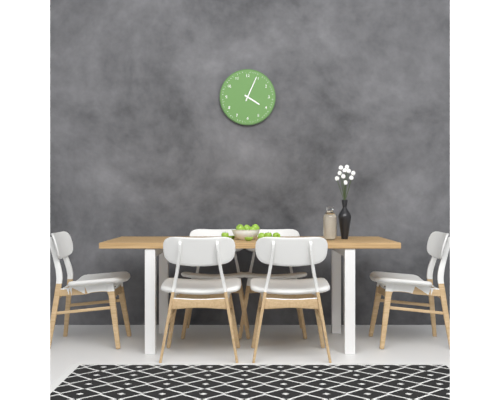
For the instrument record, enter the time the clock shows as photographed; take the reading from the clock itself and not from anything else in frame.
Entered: 4:04
